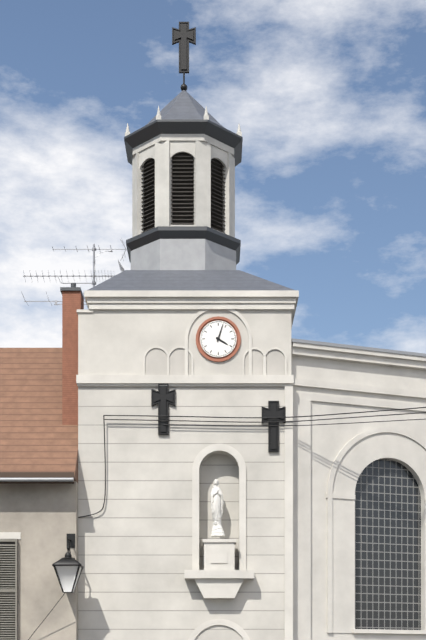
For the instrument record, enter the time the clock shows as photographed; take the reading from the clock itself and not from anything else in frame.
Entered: 4:03
